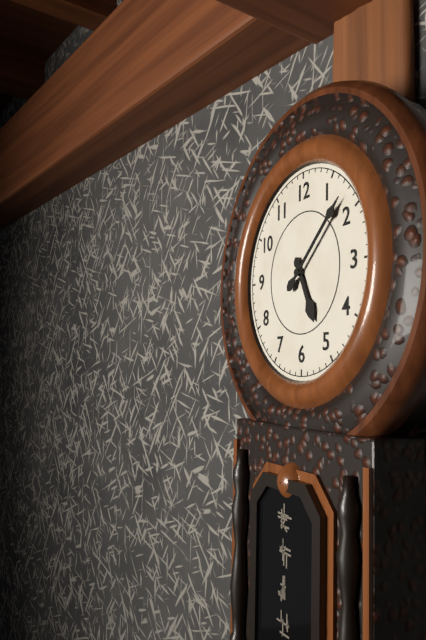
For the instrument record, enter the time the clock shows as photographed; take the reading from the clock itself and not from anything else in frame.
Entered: 5:08
